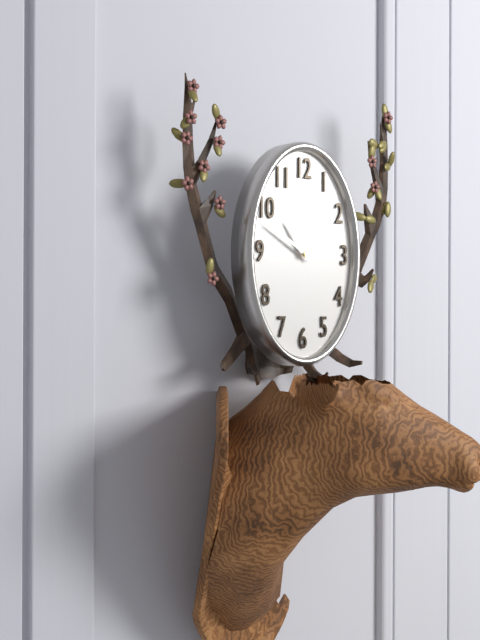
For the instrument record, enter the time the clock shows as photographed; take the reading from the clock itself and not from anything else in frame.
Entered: 10:50
